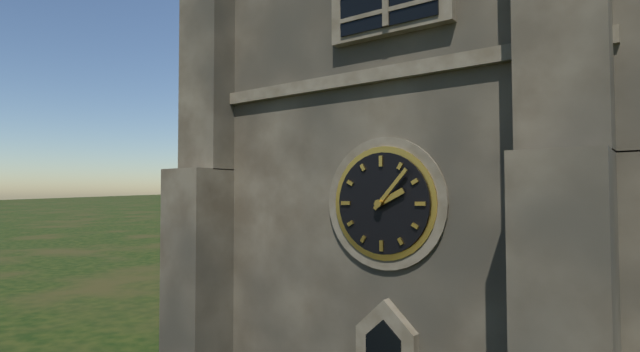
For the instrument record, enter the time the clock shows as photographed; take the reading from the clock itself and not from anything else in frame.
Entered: 2:07
